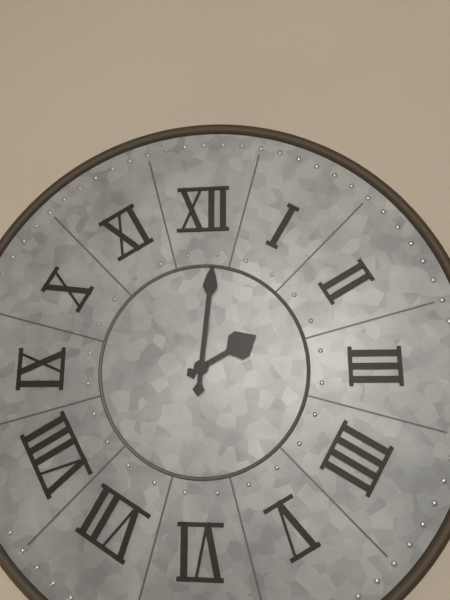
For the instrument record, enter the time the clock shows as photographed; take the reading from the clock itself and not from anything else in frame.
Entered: 2:01
